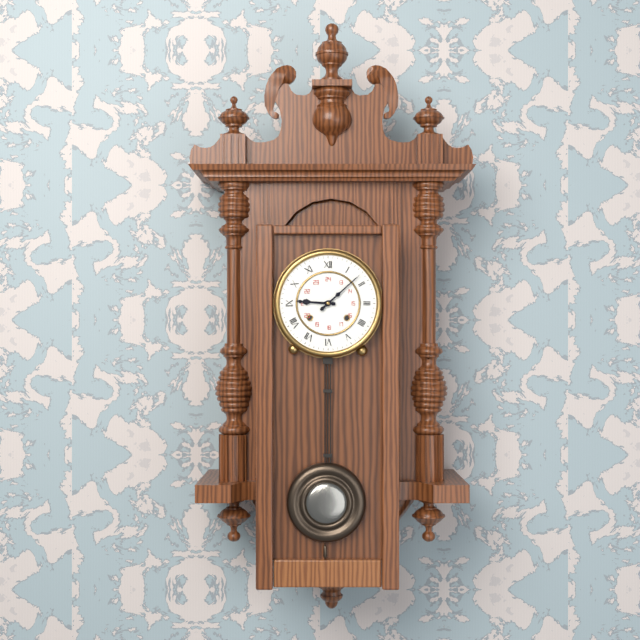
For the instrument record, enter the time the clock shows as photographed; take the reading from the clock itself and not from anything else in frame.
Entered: 9:08
